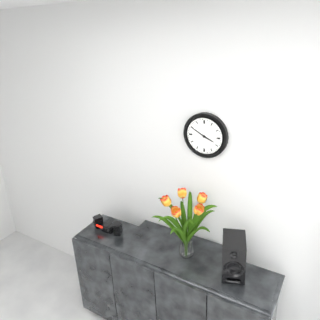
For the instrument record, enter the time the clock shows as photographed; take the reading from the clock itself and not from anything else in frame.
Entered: 3:50
